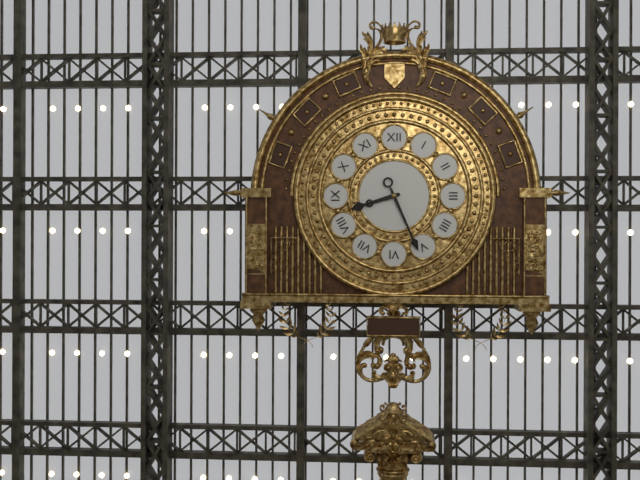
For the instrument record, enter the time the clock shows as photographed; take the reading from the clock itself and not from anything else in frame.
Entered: 8:26
